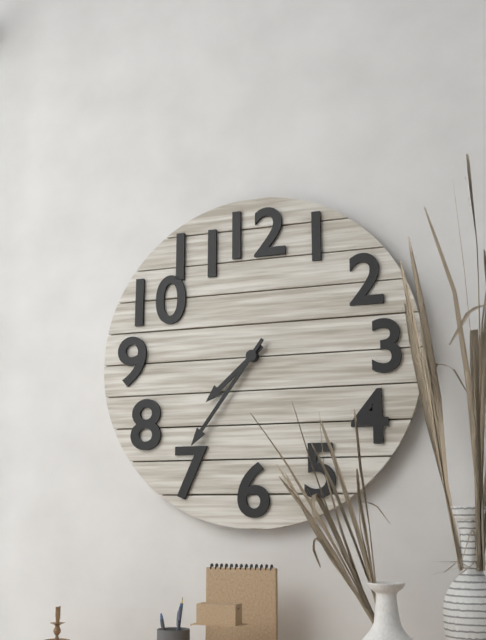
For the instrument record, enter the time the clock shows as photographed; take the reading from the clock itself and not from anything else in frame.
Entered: 7:36
